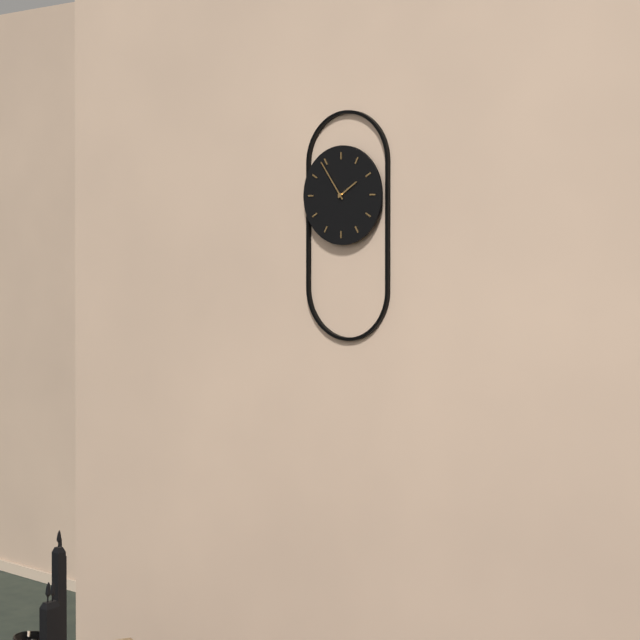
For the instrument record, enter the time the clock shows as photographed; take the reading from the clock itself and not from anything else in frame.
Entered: 1:54
